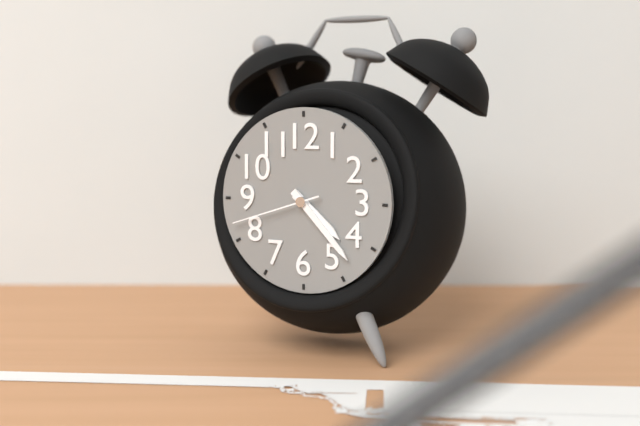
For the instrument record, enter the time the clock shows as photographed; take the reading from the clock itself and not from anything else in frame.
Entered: 4:23:42
